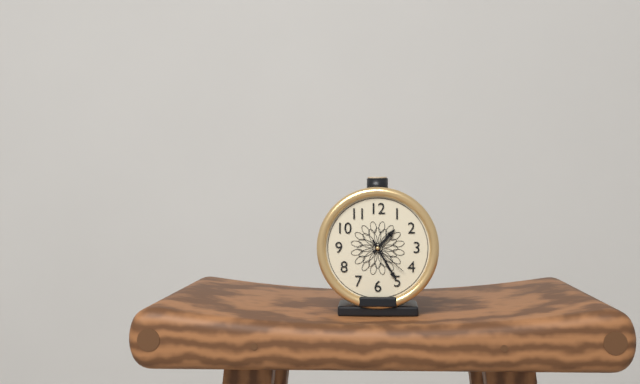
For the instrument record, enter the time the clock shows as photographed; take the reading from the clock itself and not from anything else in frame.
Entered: 1:25
